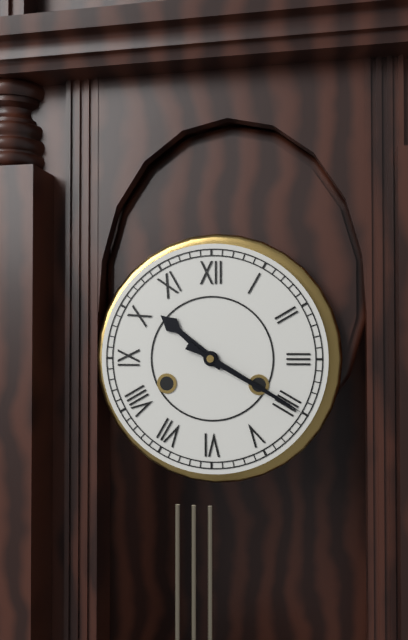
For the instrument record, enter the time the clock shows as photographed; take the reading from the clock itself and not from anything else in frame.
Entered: 10:20
